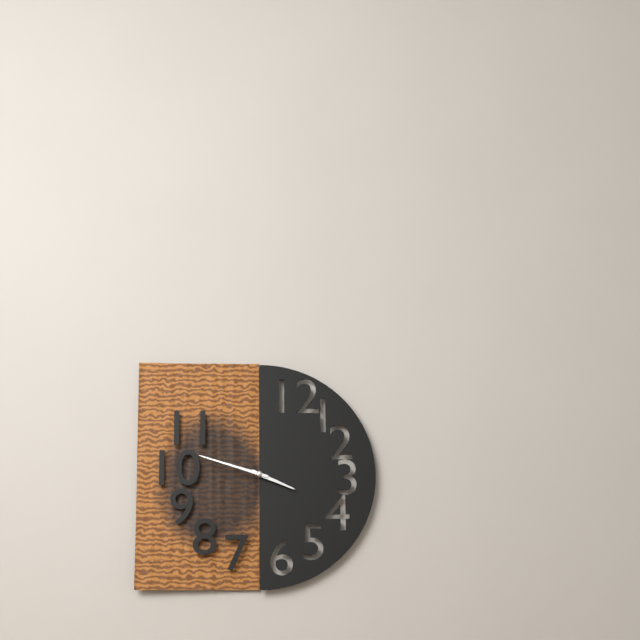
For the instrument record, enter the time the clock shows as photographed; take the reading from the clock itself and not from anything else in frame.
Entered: 3:48
